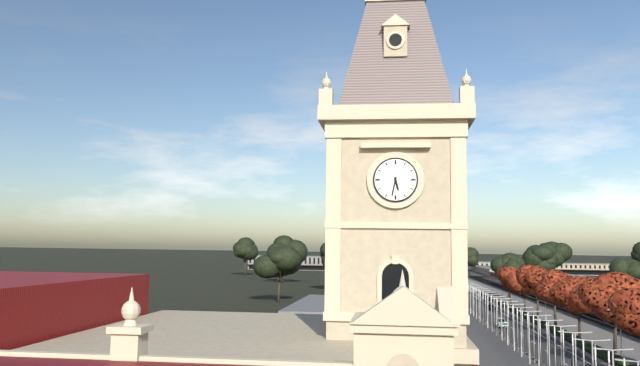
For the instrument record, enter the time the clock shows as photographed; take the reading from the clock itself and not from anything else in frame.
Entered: 5:32
